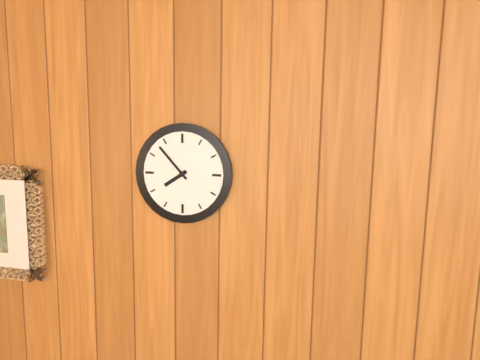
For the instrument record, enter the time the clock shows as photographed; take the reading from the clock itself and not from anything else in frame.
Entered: 7:53
